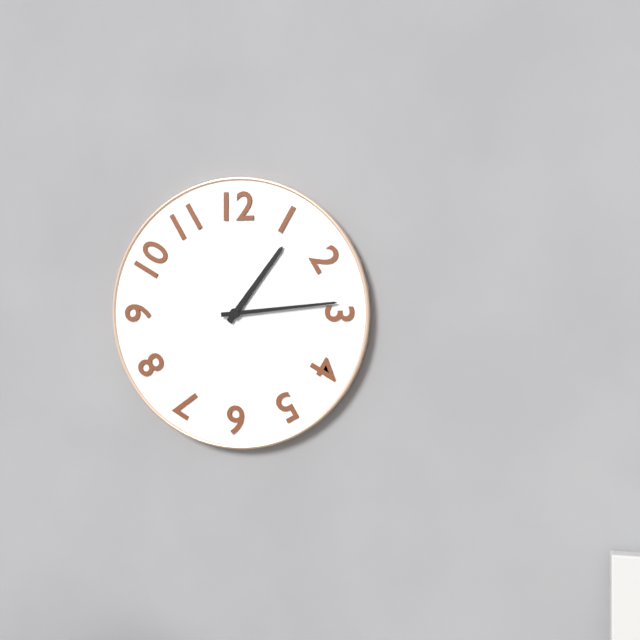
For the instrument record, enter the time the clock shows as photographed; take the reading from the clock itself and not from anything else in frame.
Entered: 1:14
